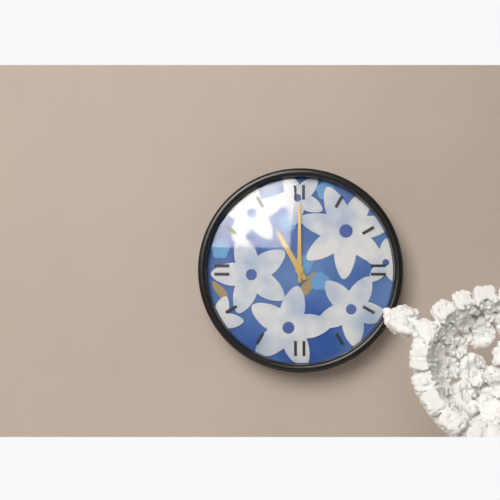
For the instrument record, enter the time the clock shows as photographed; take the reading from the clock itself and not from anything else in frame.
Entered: 11:00
